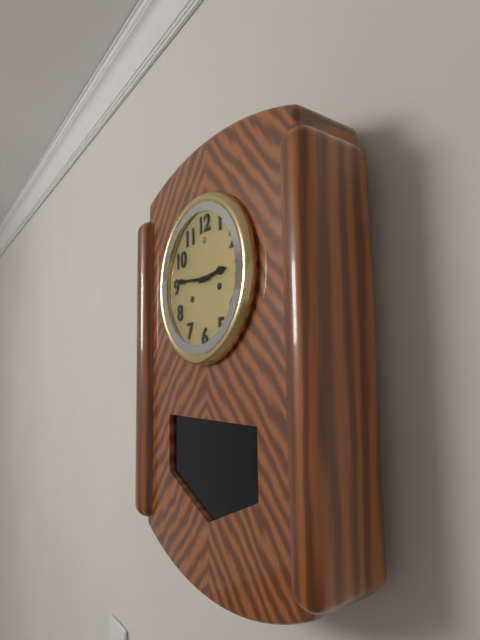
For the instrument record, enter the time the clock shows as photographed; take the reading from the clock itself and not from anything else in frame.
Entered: 2:46
